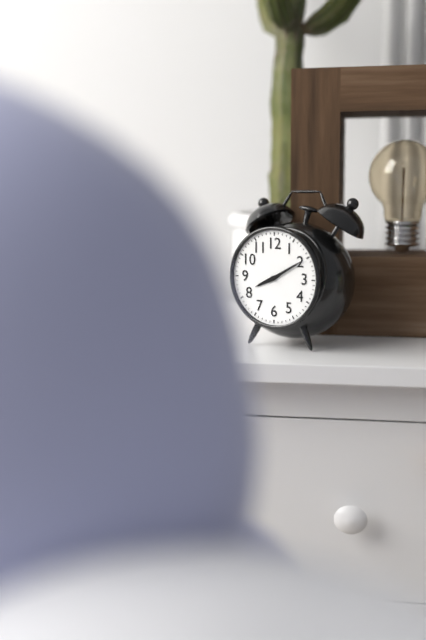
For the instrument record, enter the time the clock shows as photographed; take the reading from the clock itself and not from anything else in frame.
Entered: 8:10
